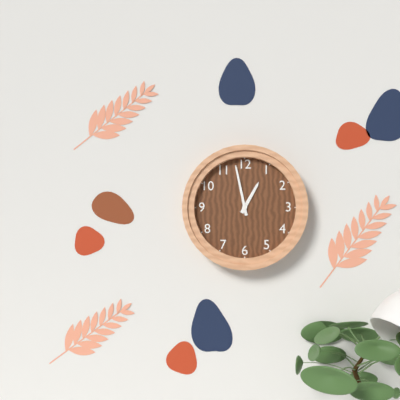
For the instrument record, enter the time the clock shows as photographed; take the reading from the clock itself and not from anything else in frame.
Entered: 12:58
